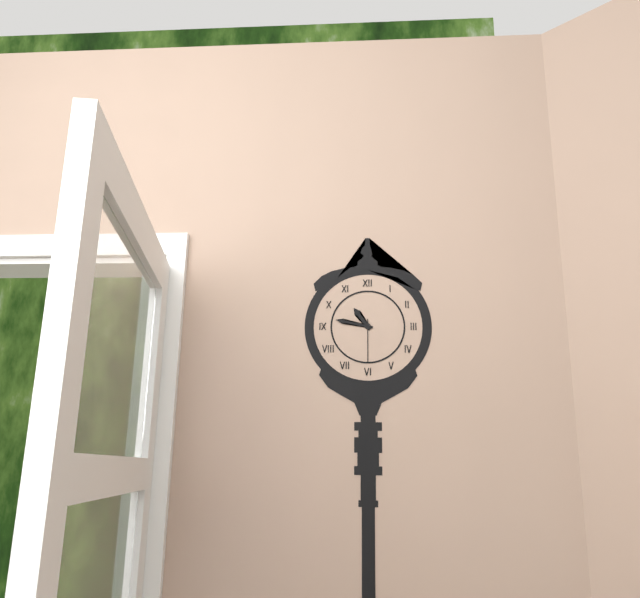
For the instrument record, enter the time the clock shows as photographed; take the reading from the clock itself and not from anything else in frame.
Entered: 10:47
